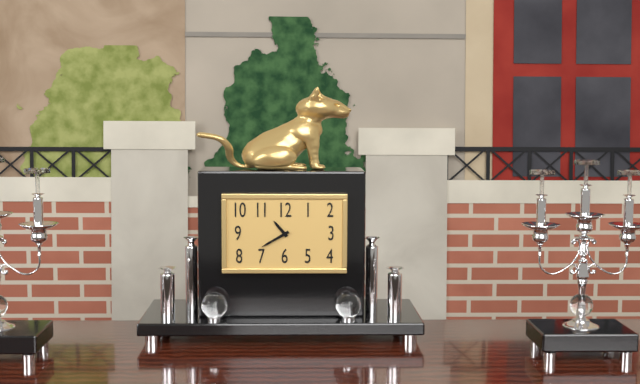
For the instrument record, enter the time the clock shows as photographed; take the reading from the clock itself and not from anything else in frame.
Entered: 10:40
